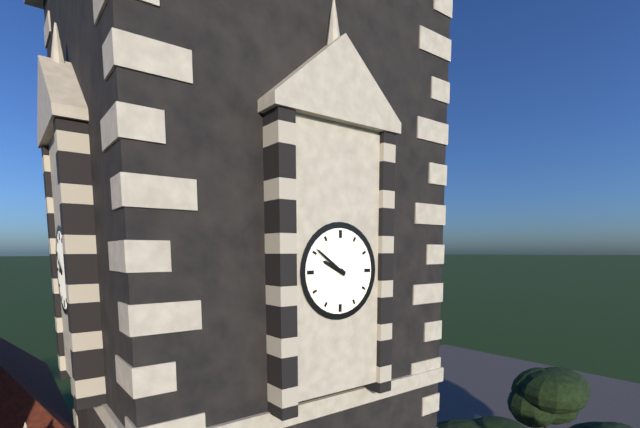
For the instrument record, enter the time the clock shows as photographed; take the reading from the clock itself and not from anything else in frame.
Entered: 9:51
